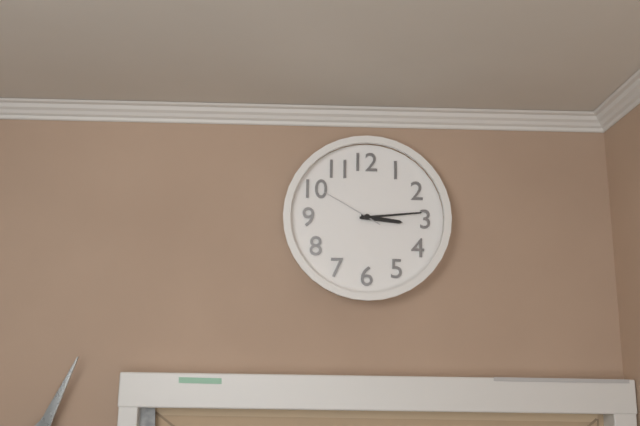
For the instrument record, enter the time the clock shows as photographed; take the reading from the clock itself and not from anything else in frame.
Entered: 3:14:50
